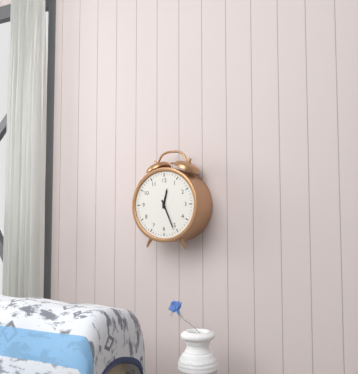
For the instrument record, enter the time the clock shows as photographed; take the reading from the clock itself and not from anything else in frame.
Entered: 12:26
